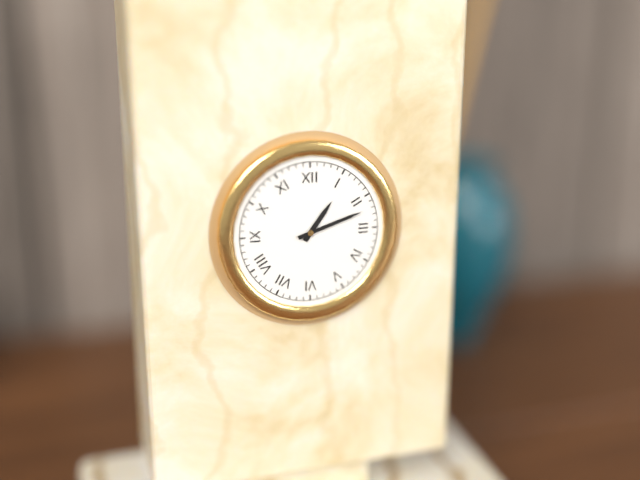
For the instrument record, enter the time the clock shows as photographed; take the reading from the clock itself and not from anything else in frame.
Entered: 1:12
